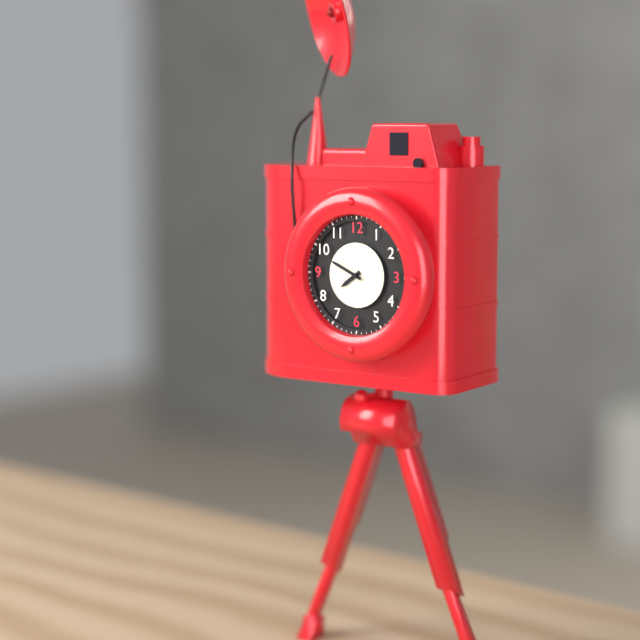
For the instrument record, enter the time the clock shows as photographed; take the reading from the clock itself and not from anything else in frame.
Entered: 7:49
